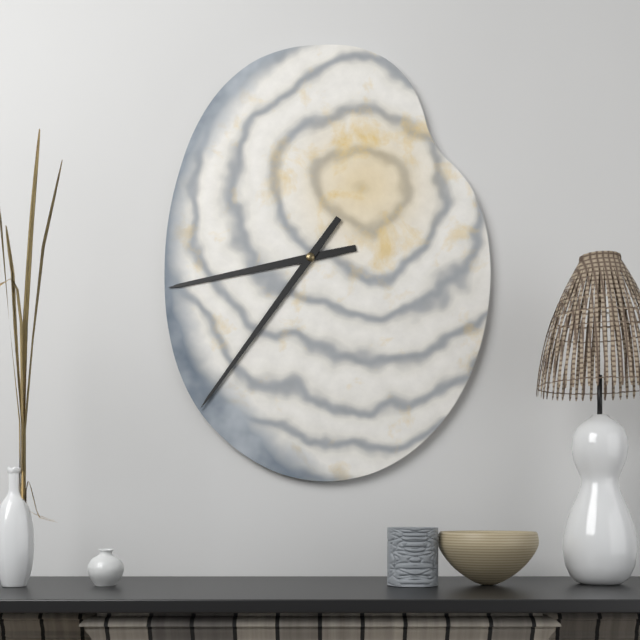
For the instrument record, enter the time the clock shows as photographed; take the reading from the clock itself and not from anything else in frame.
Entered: 8:36
